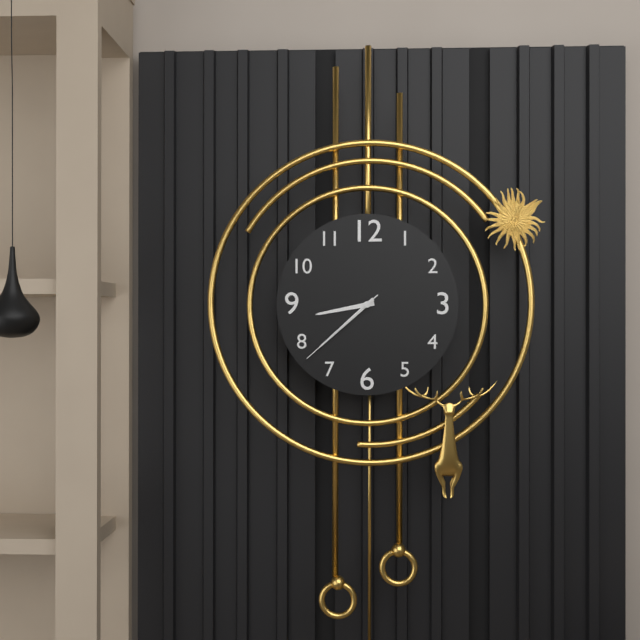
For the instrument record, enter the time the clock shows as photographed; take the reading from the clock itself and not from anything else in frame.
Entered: 8:38:38
